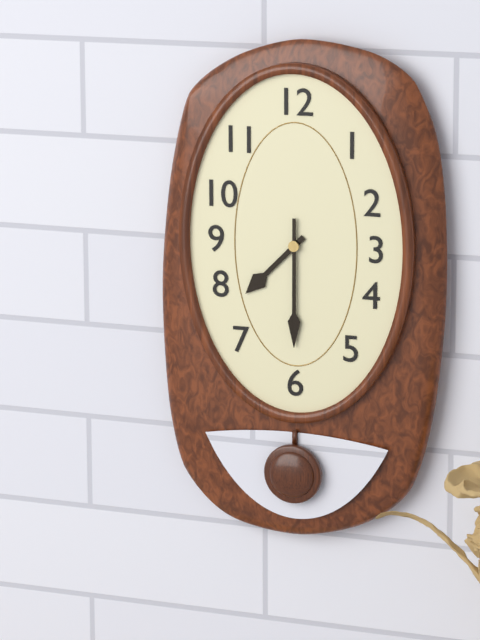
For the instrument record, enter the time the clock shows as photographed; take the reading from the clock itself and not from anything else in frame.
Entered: 7:30
